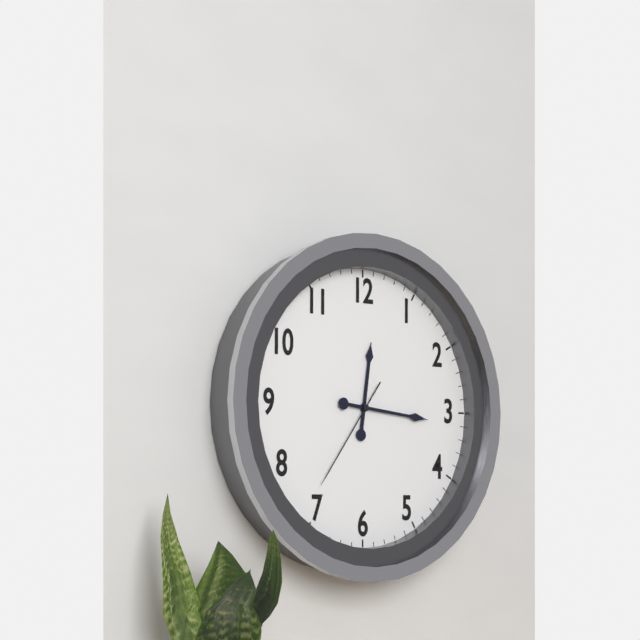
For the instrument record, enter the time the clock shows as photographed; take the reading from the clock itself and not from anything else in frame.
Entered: 12:16:36
